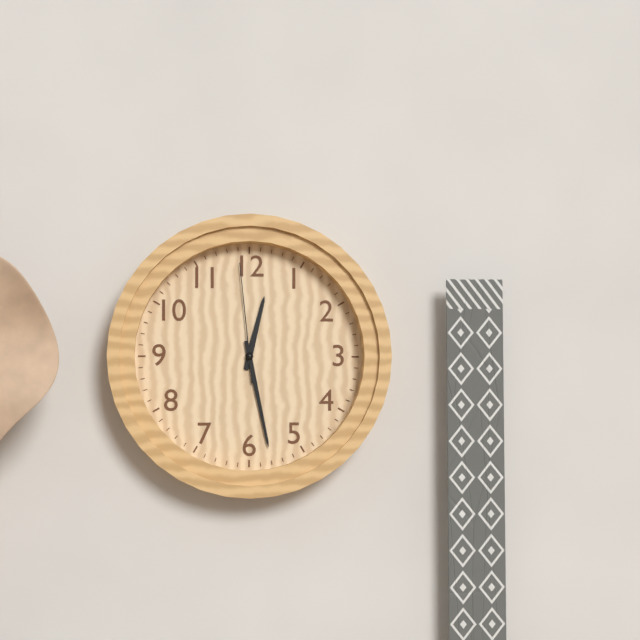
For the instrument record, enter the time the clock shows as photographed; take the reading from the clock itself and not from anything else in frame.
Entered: 12:28:59
